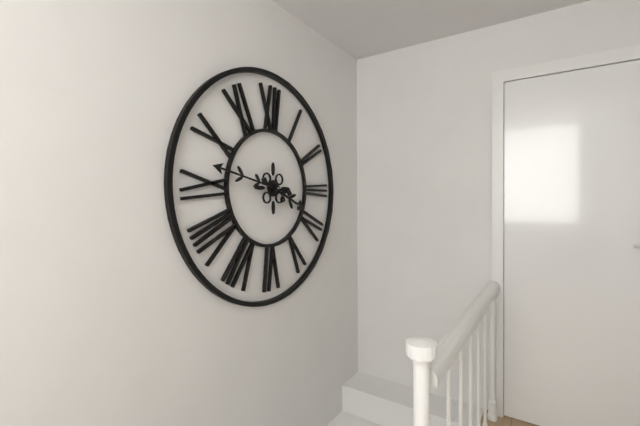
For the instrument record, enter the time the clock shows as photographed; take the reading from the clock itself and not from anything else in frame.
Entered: 3:47
